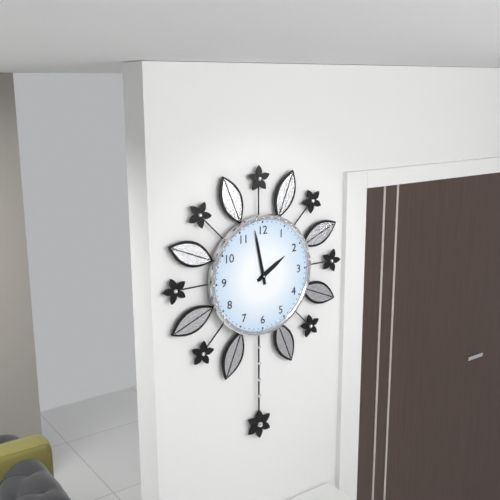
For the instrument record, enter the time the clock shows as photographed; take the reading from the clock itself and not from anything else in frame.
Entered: 1:58
